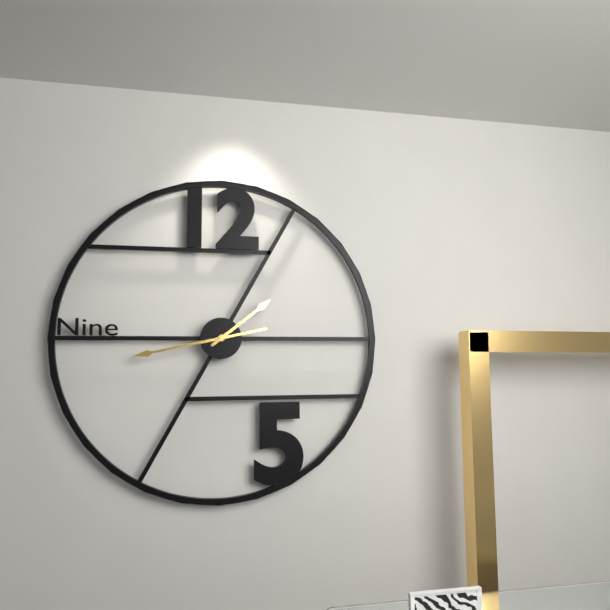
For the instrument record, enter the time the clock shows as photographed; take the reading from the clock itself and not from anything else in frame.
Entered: 1:43
